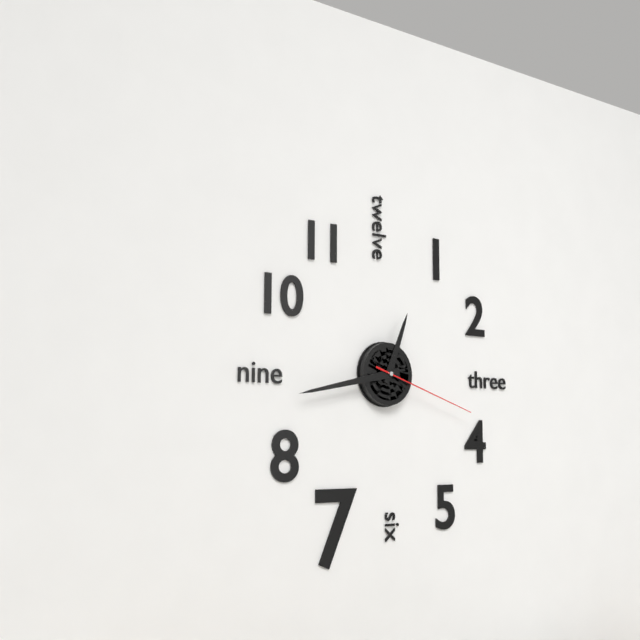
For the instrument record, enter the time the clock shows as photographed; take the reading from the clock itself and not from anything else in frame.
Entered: 12:43:18
